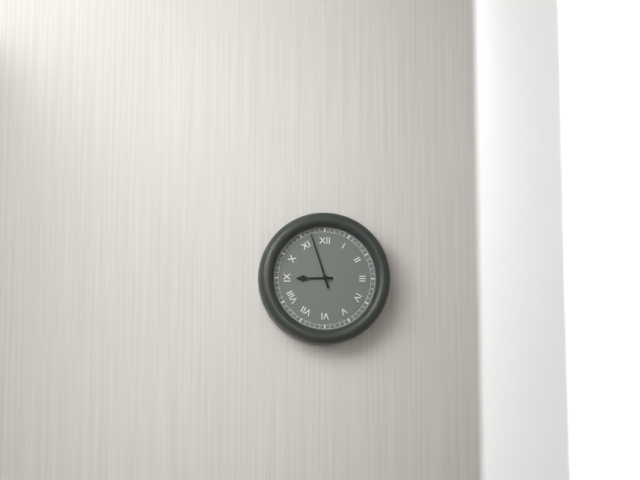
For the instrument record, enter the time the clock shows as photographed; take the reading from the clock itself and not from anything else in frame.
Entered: 8:57
